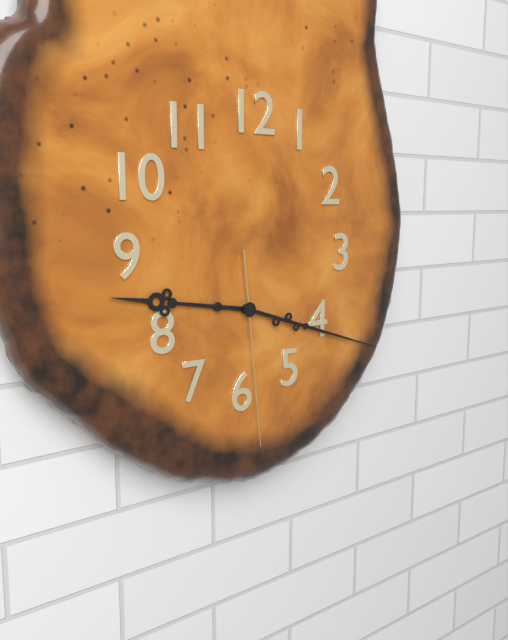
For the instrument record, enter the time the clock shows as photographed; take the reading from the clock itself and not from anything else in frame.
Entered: 9:18:29
